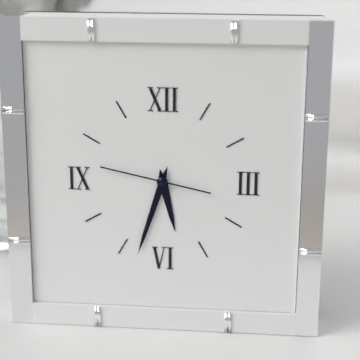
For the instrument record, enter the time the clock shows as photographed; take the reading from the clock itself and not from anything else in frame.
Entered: 5:33:47
